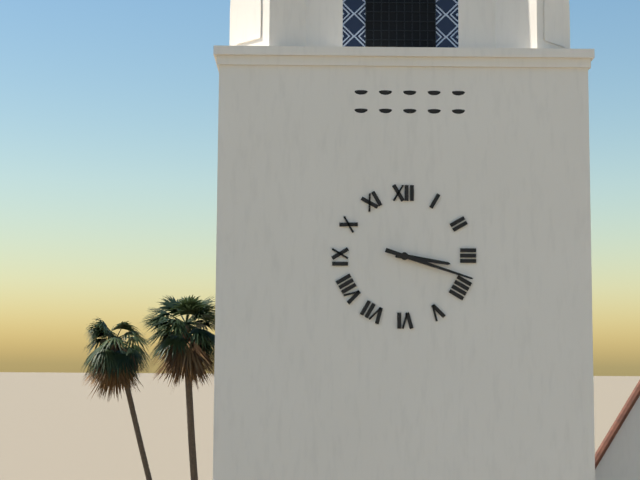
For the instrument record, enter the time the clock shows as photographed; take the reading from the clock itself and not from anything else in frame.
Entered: 3:18
